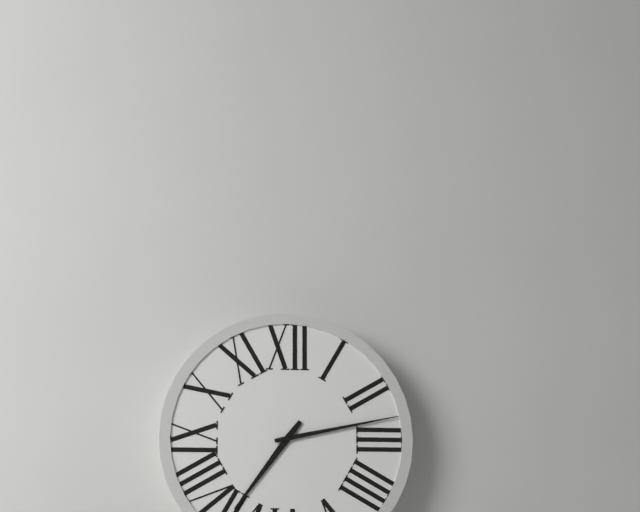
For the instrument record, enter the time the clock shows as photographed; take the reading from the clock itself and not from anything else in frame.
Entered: 7:13
